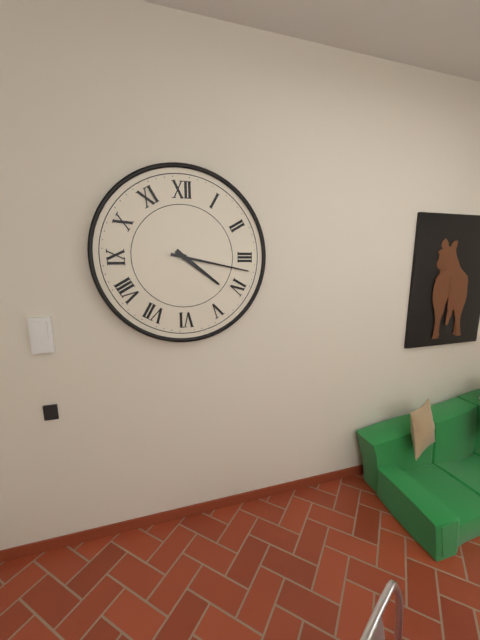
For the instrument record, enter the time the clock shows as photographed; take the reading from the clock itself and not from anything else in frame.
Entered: 4:17
